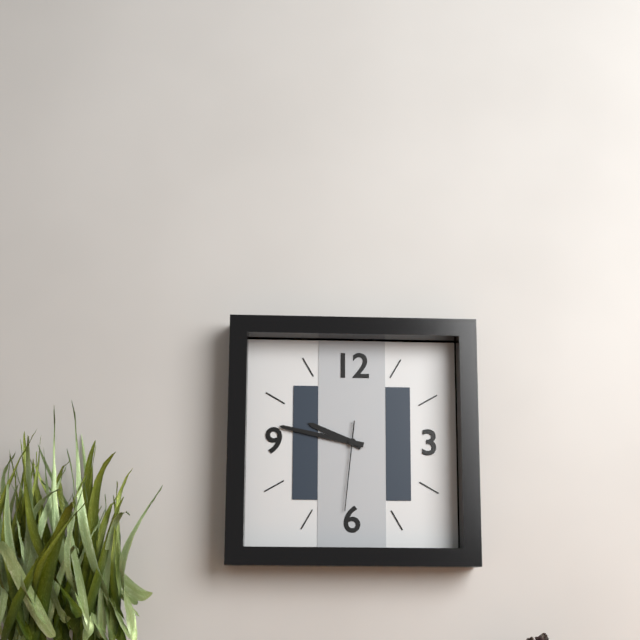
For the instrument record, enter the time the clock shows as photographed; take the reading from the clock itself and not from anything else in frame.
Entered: 9:47:31
